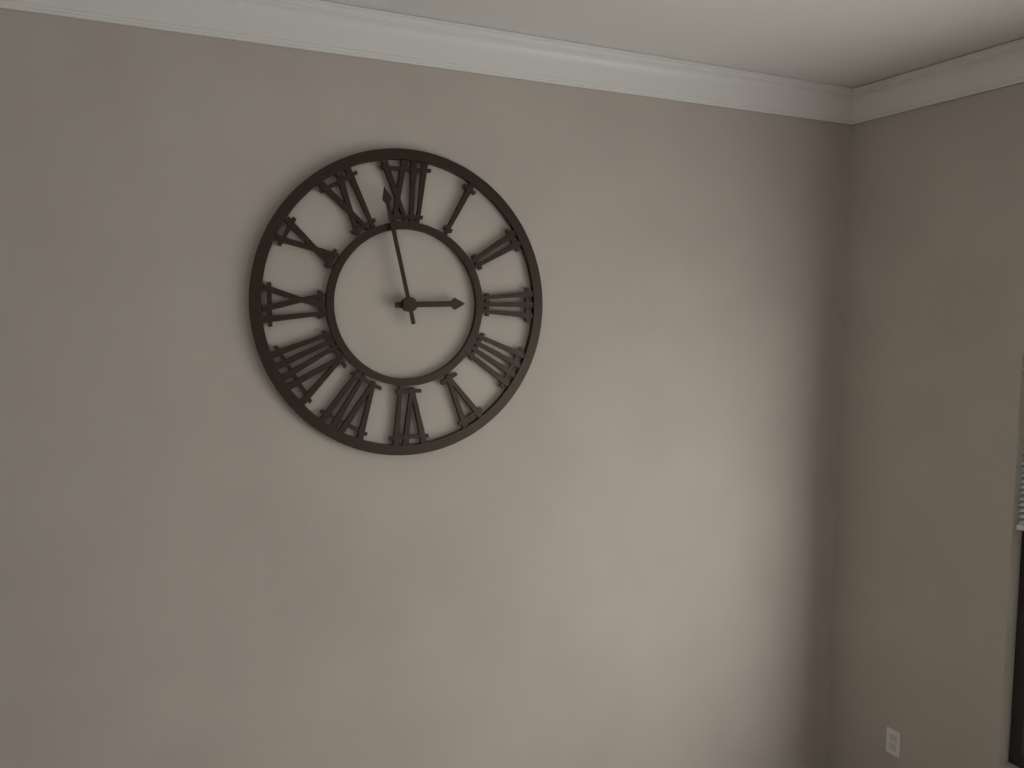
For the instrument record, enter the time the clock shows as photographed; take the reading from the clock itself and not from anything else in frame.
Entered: 2:58
